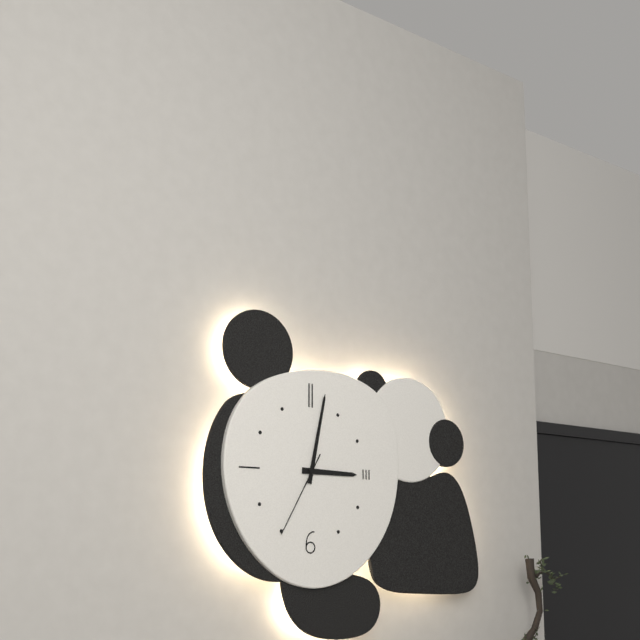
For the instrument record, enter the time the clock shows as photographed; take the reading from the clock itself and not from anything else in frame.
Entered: 3:02:35
